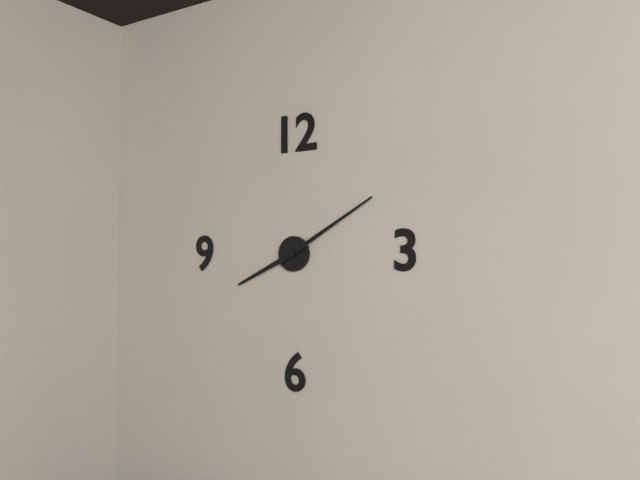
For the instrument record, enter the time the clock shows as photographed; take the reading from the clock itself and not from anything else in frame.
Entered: 8:10
